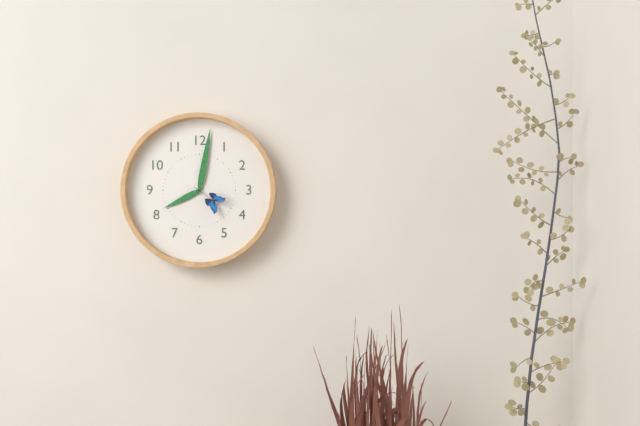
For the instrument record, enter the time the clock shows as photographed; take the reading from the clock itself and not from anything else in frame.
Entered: 8:02
